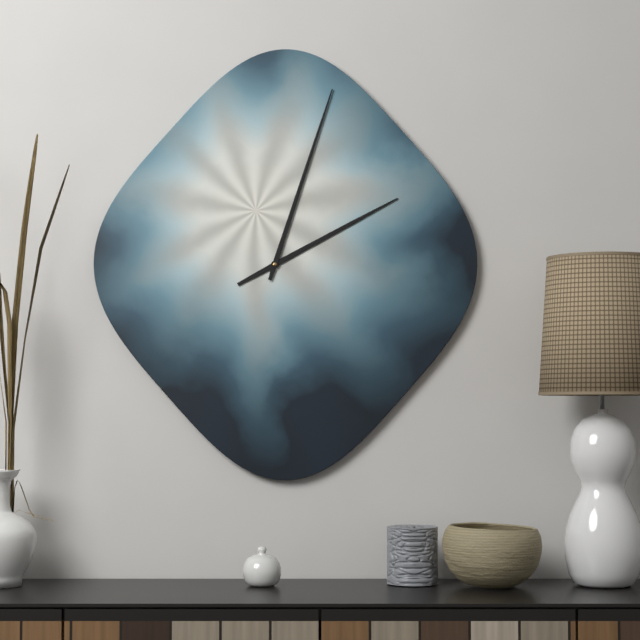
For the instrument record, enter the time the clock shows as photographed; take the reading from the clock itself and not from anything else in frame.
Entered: 2:03
